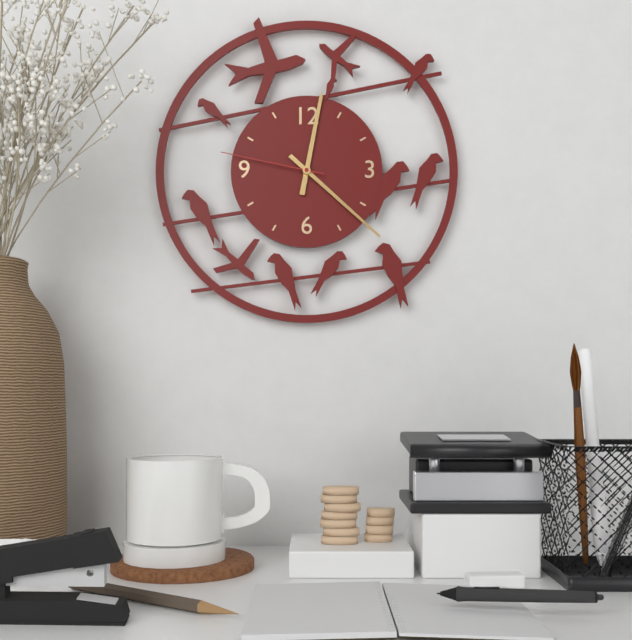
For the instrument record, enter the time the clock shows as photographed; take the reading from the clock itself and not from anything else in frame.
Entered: 12:22:47
